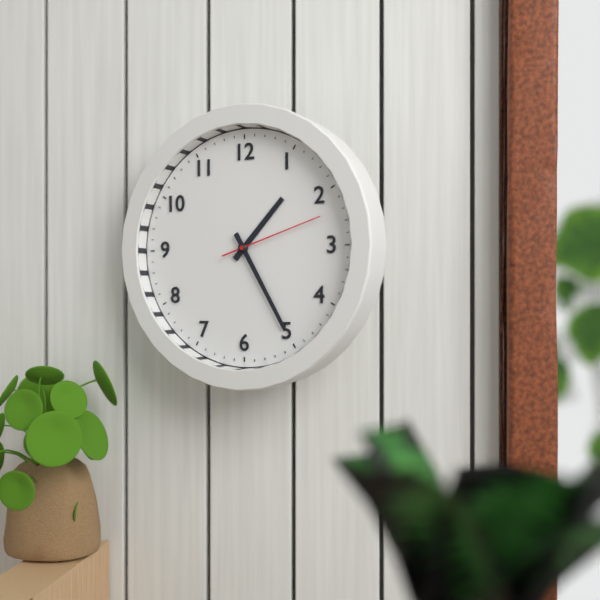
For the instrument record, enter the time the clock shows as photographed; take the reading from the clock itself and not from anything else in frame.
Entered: 1:25:12
